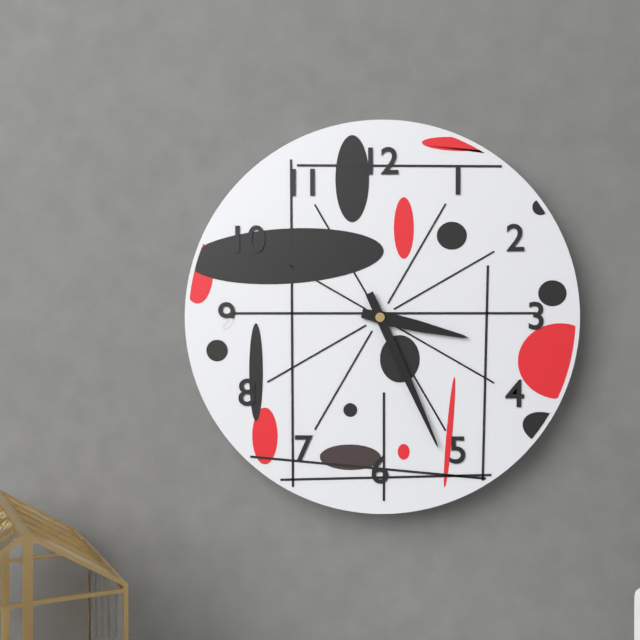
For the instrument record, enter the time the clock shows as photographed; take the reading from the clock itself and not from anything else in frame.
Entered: 3:26
